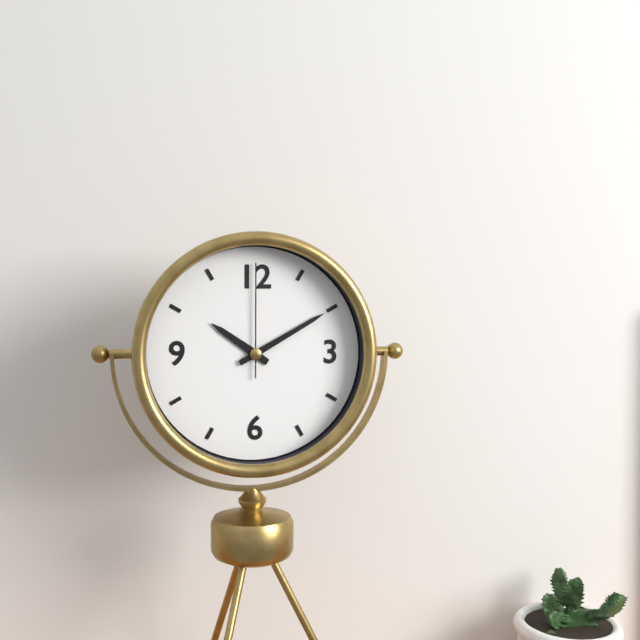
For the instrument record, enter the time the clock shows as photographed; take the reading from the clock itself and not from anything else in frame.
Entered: 10:10:00
